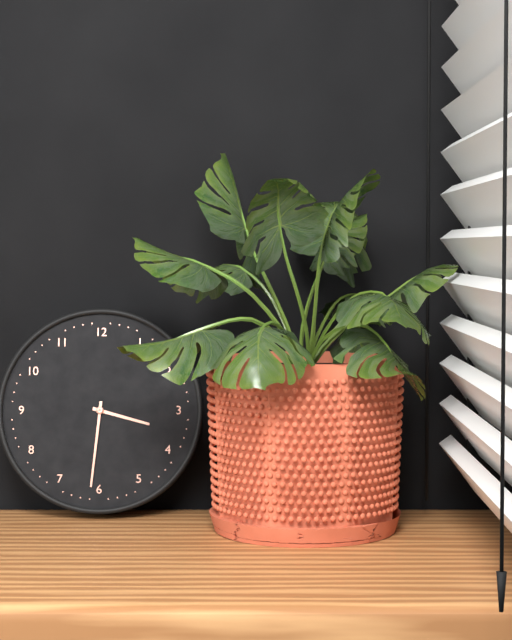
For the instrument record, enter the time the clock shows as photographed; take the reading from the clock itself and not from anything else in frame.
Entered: 3:31
